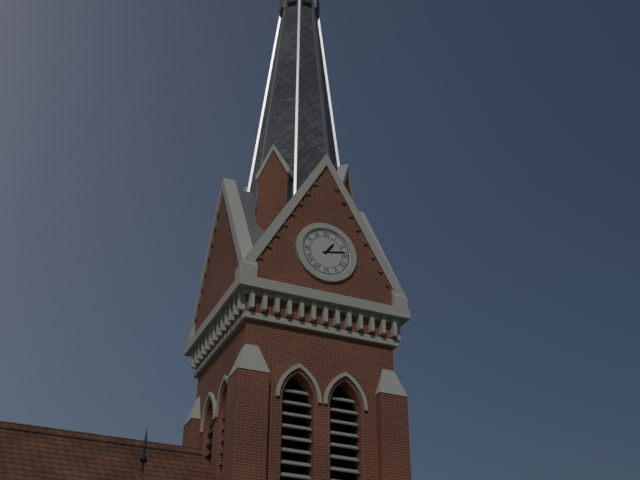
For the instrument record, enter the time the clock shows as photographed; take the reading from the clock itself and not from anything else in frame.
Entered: 1:13
